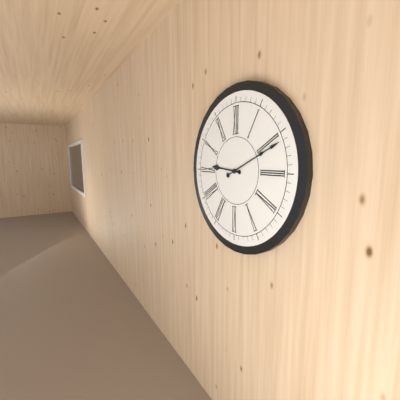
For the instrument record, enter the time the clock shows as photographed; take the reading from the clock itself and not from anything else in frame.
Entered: 9:11
